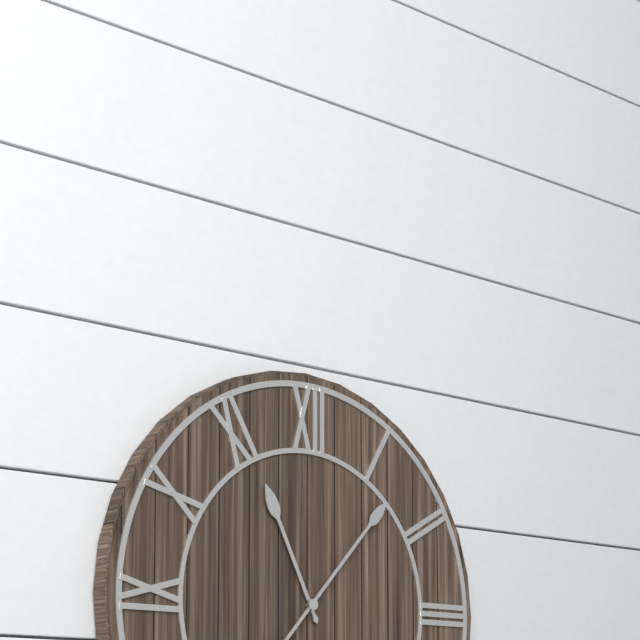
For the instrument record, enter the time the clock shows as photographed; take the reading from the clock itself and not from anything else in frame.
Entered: 11:07
